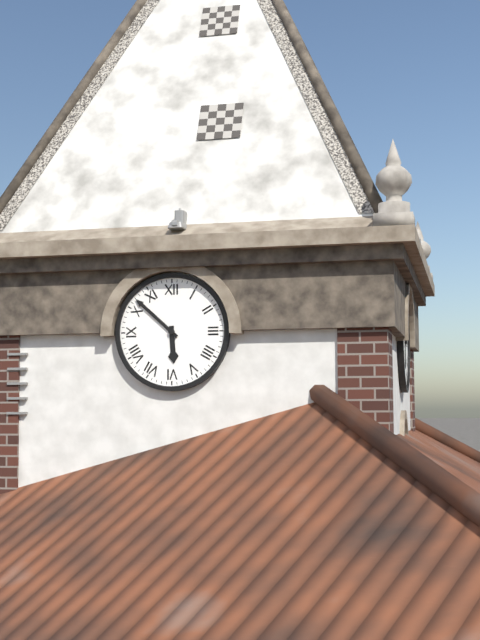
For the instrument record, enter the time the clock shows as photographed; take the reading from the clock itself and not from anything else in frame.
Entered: 5:52
